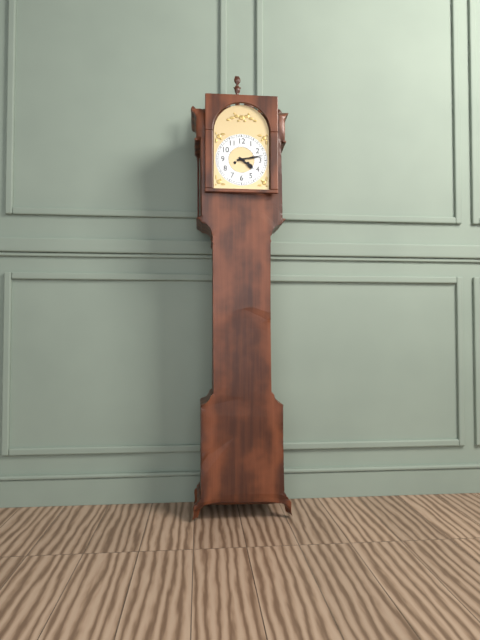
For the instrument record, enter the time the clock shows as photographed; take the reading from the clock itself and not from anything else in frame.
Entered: 4:13
